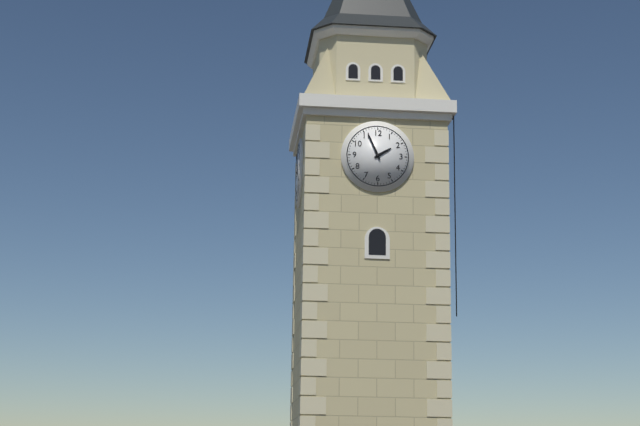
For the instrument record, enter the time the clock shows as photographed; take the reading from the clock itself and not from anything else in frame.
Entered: 1:56
